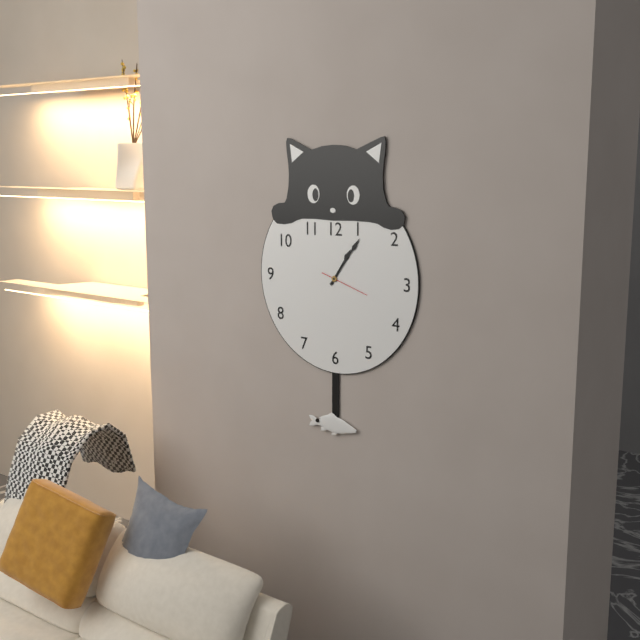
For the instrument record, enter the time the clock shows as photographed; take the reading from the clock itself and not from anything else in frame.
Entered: 1:06
